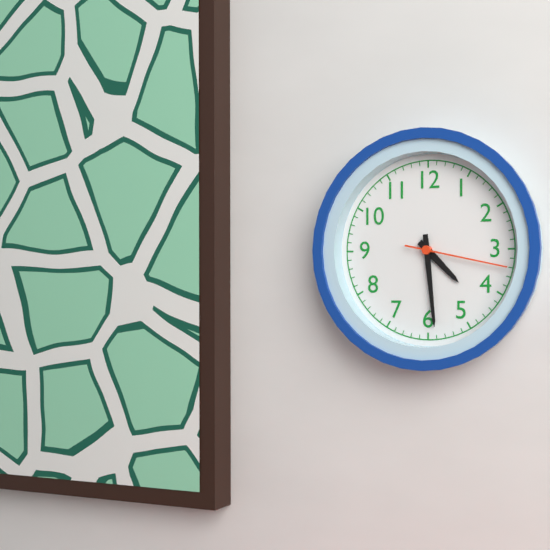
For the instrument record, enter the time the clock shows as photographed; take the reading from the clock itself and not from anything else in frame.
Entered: 4:29:17
